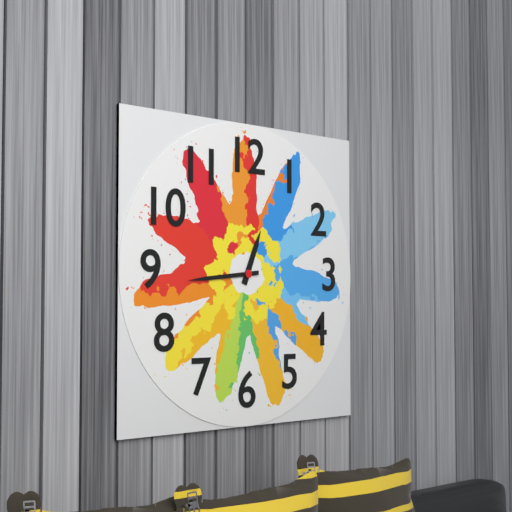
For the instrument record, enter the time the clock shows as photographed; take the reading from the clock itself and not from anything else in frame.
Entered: 12:44
